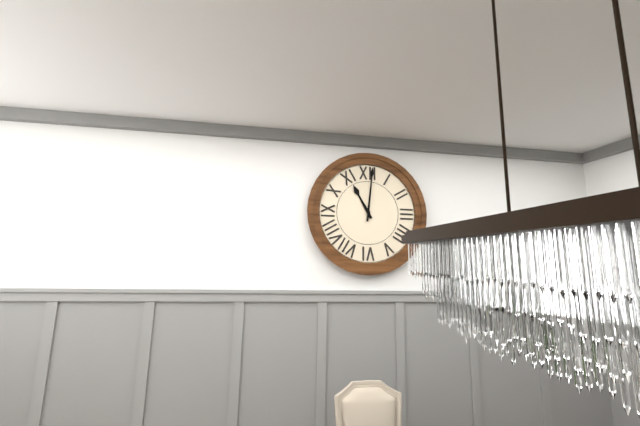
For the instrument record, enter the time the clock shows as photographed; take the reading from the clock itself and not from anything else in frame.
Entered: 11:01
